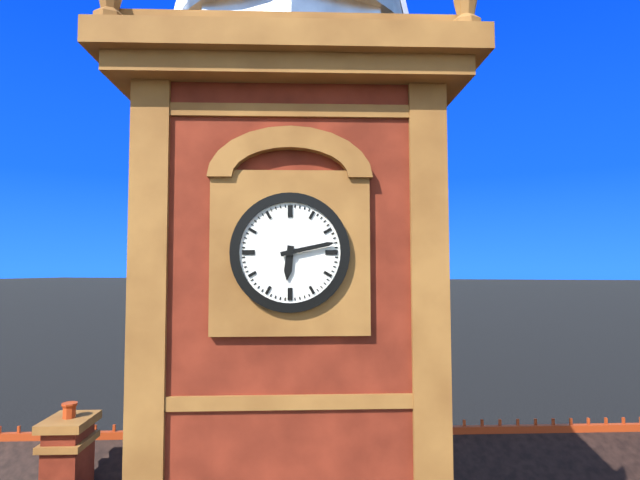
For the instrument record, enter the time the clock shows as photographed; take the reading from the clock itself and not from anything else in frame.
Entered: 6:13
